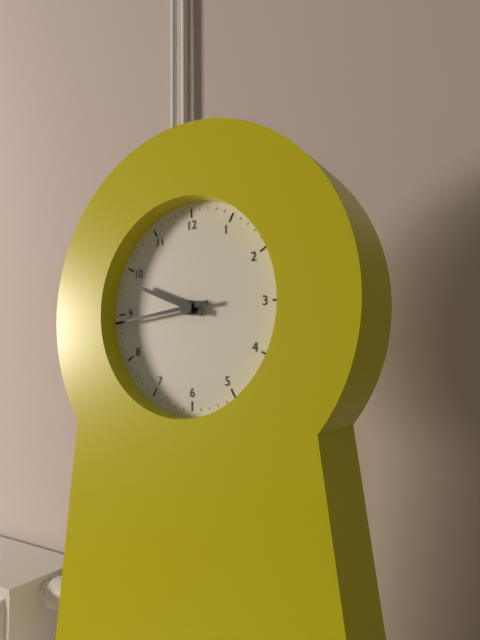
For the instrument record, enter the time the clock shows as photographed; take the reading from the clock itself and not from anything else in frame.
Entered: 9:44
